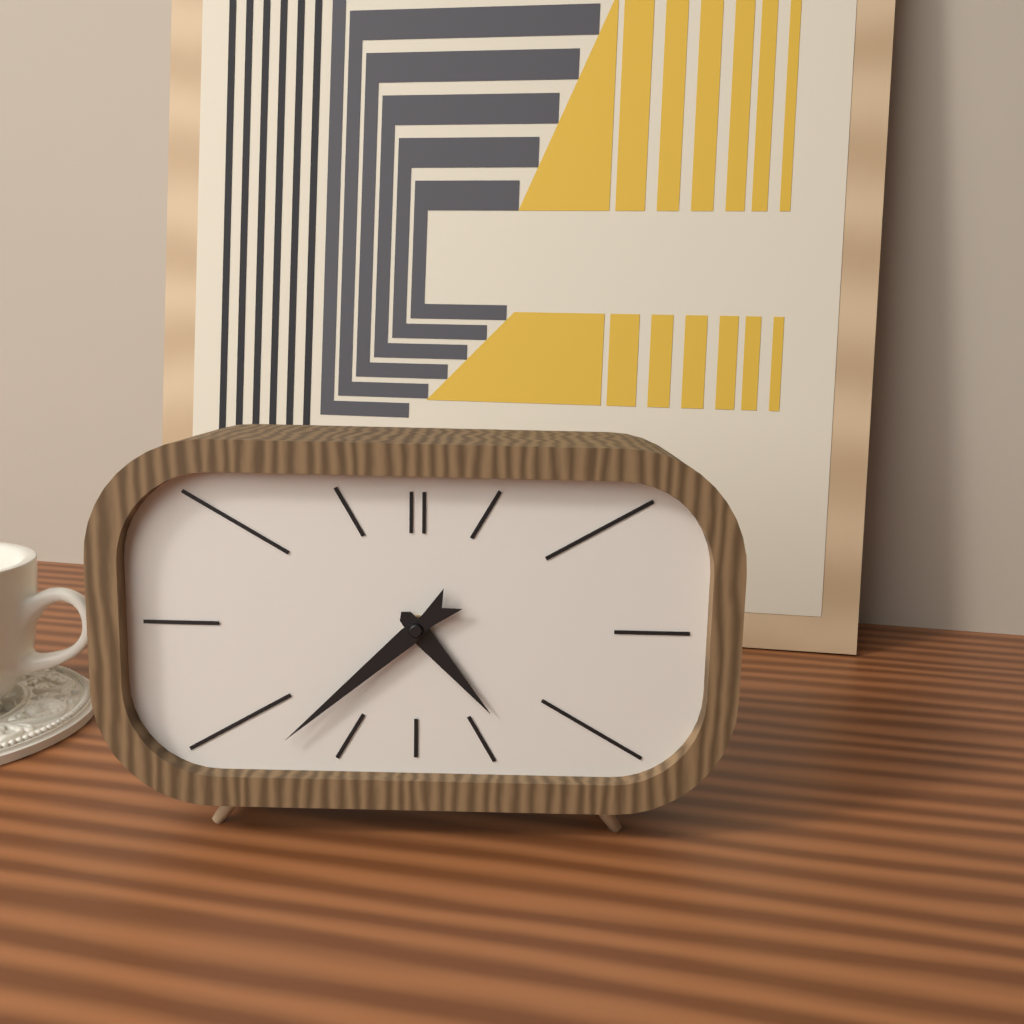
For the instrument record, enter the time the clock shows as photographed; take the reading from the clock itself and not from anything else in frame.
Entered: 4:38
